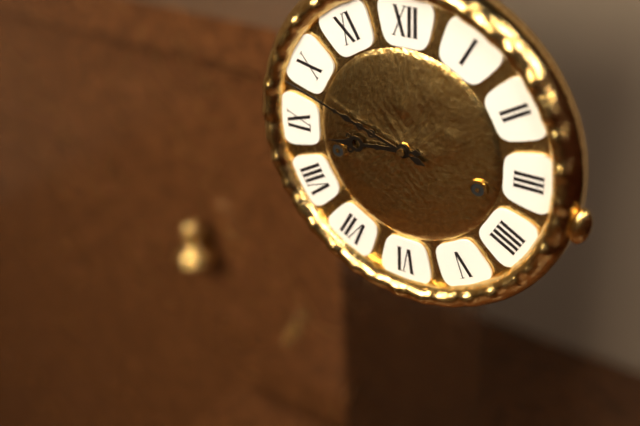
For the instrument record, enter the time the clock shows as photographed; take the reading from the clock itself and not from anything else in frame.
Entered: 8:48
